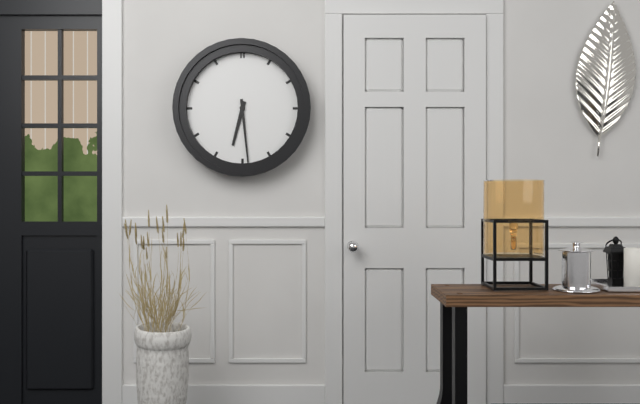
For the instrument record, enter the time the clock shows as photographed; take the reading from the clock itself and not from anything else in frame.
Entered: 6:29
